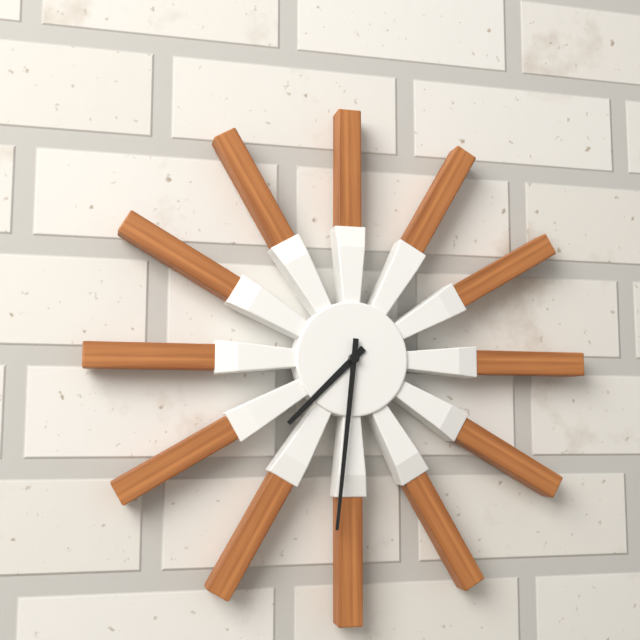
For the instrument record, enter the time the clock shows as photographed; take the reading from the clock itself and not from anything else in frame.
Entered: 7:31
